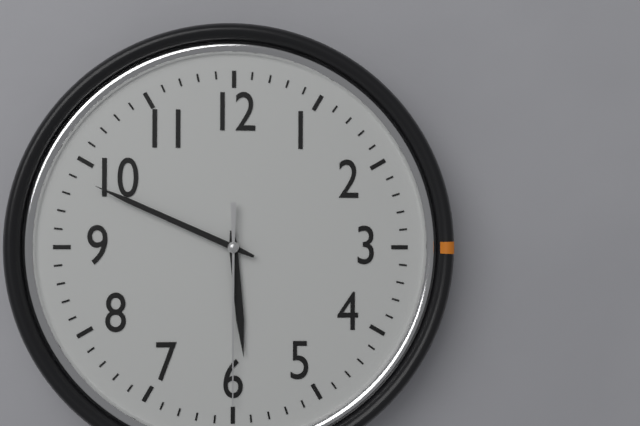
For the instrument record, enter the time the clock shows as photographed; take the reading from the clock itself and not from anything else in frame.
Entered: 5:49:30
